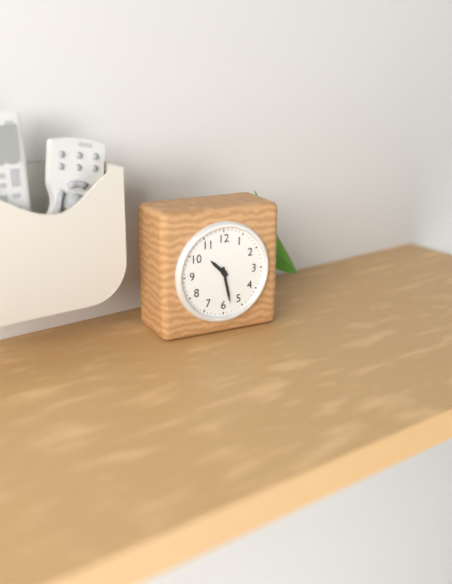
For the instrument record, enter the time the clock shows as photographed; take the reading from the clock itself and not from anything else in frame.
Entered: 10:28
